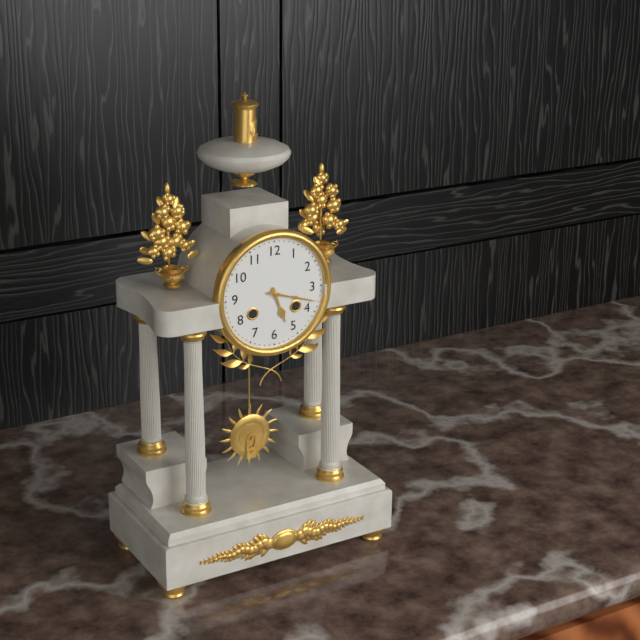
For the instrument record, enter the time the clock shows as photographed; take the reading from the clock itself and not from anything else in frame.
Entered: 5:18
